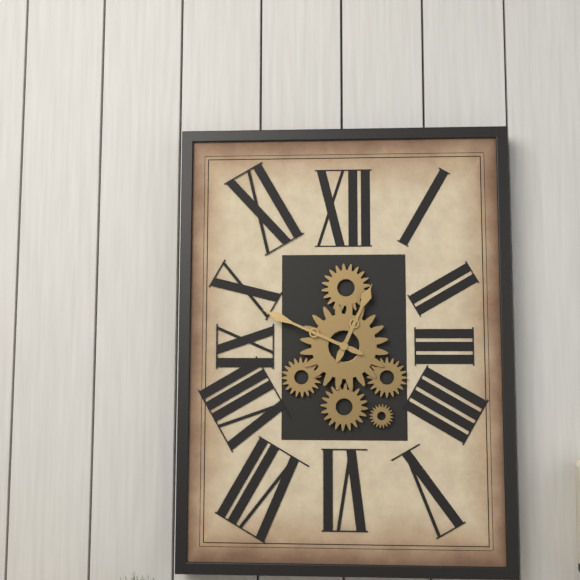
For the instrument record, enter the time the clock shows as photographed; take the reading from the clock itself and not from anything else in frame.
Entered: 12:49
